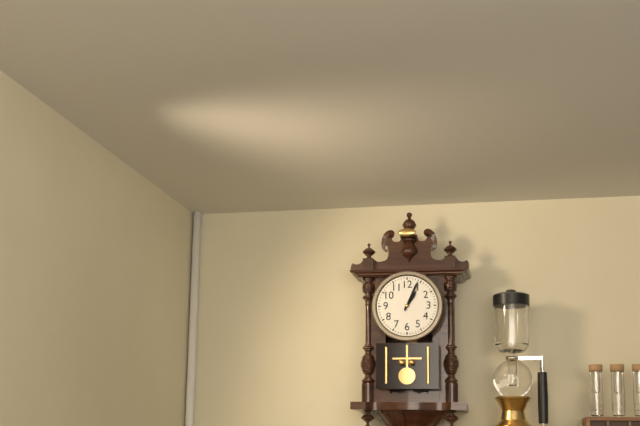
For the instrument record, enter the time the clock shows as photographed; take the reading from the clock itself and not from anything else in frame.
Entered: 1:04
